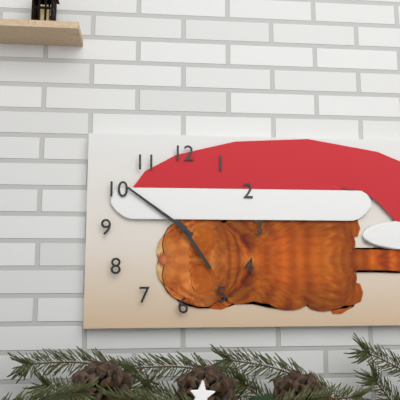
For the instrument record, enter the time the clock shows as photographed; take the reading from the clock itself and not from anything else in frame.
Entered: 4:51
